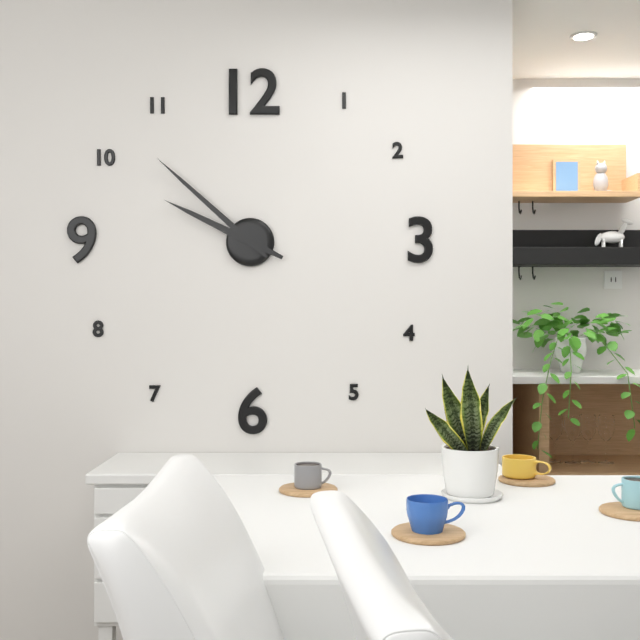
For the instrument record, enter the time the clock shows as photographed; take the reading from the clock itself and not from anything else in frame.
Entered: 9:52
